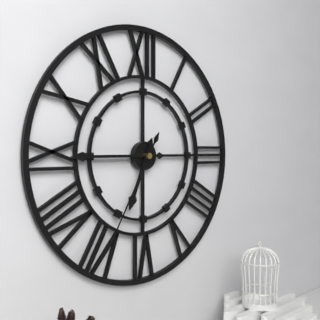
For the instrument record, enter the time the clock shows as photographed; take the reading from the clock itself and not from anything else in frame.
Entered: 6:45:35
